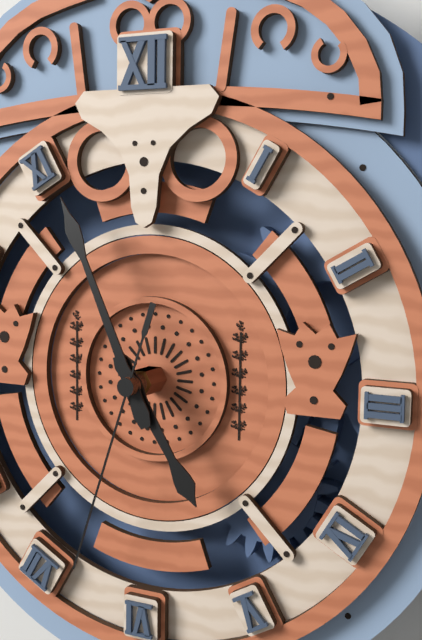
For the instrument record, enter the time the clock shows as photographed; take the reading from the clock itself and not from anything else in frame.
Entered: 4:56:33
